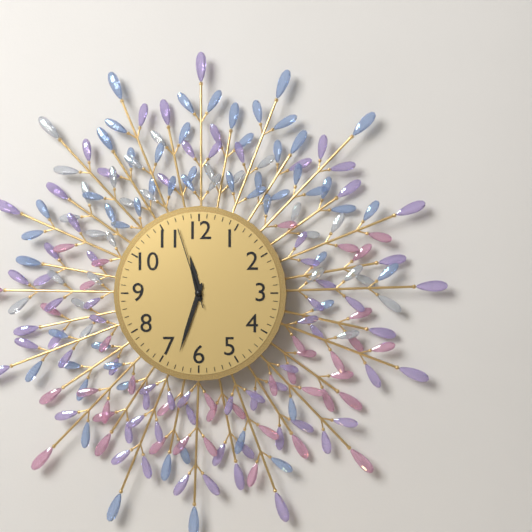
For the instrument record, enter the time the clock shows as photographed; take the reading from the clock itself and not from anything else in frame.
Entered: 11:33:57
